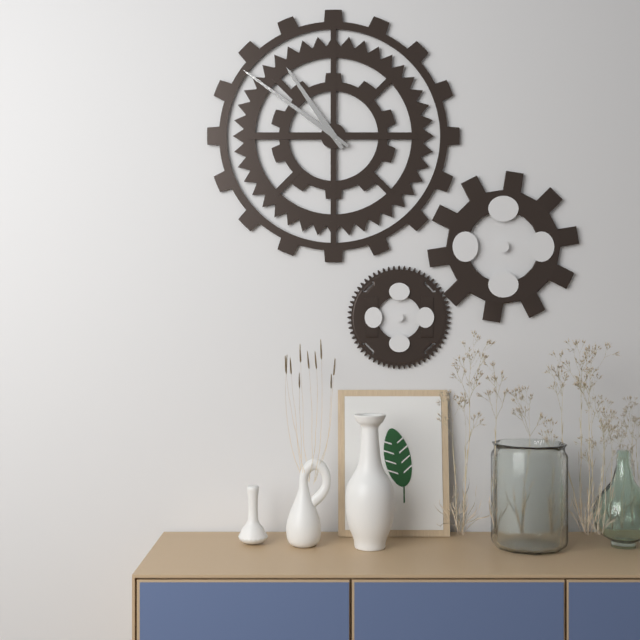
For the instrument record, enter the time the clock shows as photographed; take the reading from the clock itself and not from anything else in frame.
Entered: 10:51
